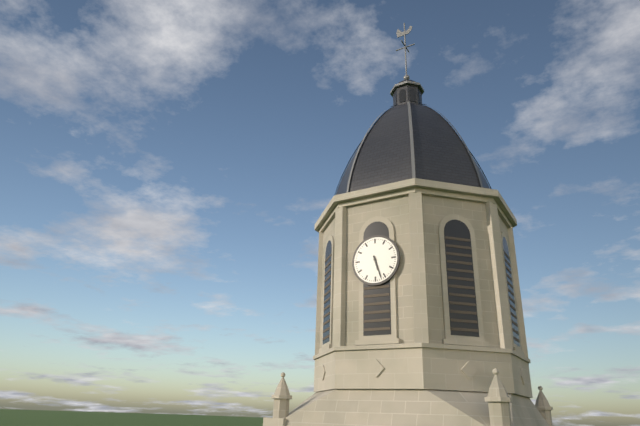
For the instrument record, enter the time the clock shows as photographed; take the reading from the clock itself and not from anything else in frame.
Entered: 5:27
